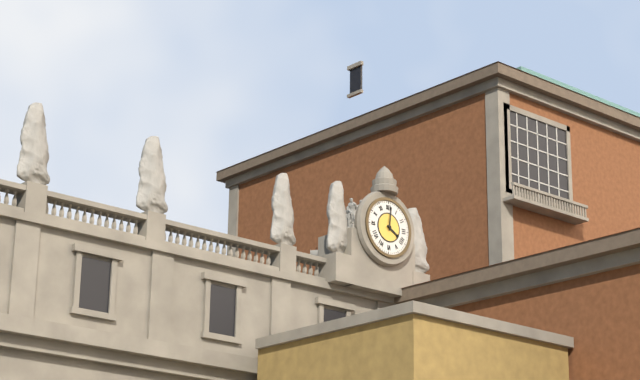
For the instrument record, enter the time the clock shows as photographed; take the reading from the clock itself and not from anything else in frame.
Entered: 4:01
